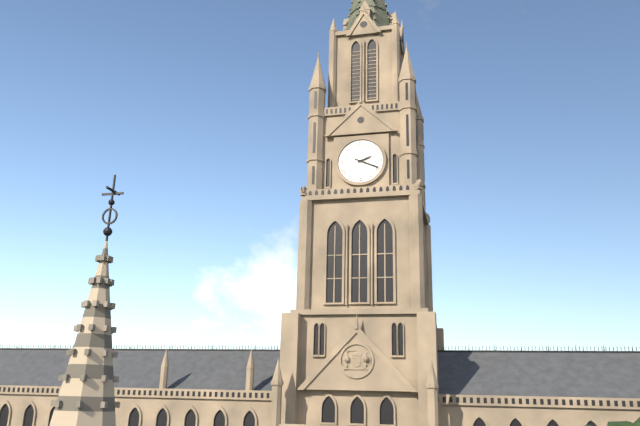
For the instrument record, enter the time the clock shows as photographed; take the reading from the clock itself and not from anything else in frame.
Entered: 2:19
